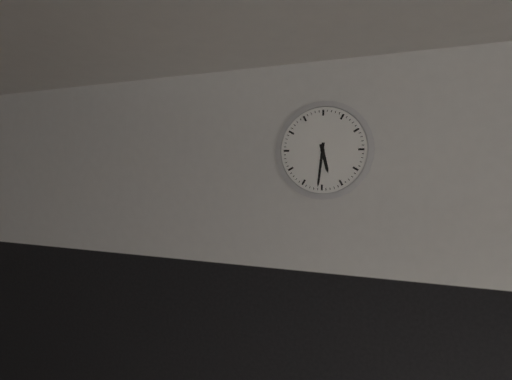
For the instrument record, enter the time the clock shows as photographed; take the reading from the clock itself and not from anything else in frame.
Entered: 5:31
